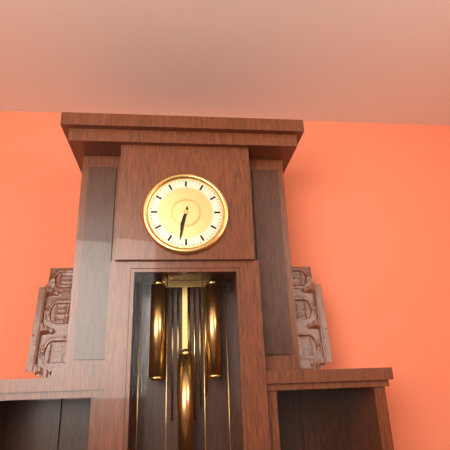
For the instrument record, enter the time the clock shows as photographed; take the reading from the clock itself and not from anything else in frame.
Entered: 6:32
